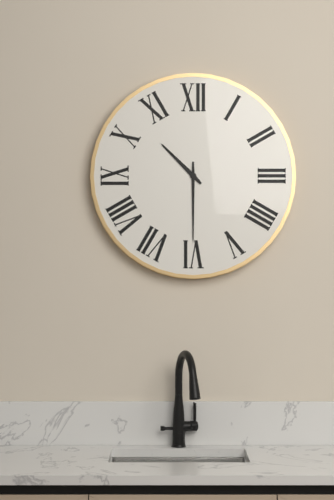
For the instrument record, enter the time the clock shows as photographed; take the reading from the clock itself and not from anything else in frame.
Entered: 10:30
